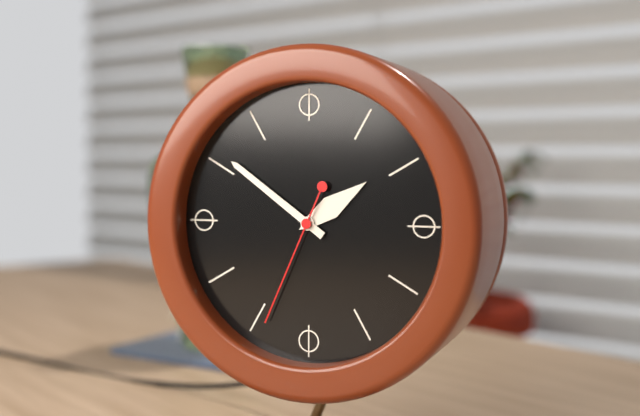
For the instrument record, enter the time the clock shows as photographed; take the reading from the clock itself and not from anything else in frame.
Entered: 1:51:34
